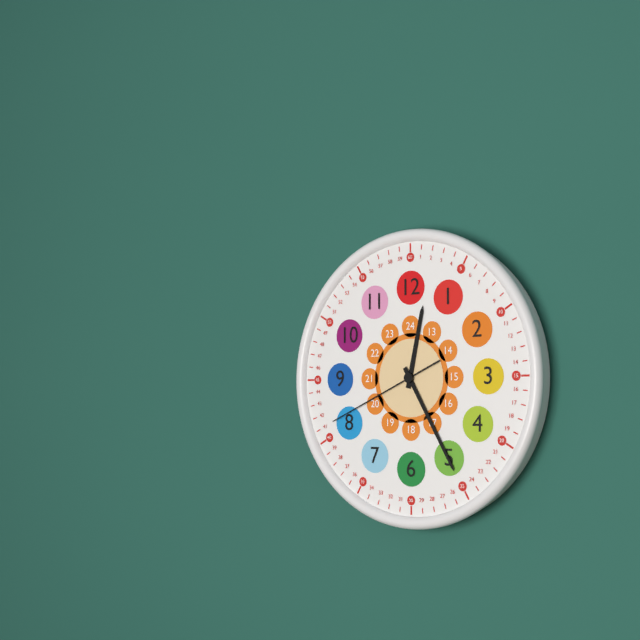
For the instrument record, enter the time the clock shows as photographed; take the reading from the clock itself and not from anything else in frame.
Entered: 12:25:41
